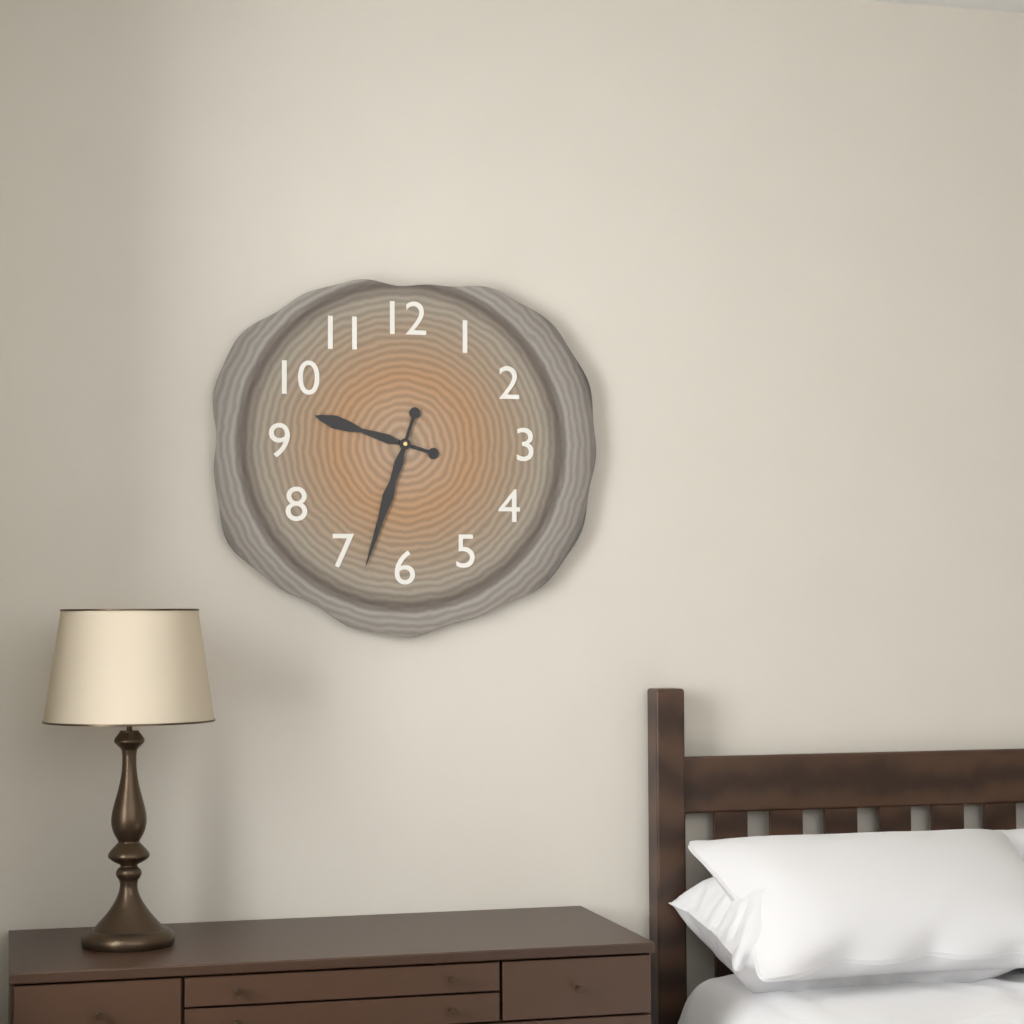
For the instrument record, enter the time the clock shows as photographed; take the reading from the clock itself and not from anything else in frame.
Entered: 9:33
